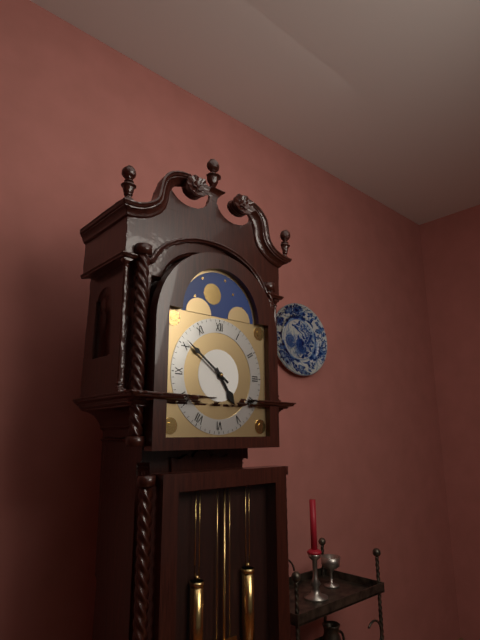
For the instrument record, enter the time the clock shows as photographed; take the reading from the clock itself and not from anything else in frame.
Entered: 4:51
